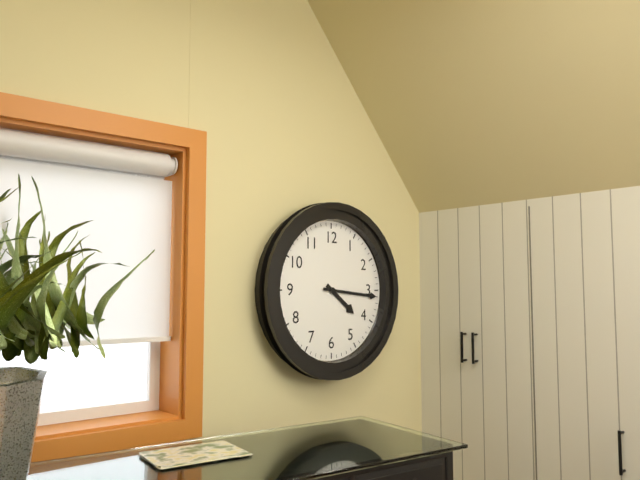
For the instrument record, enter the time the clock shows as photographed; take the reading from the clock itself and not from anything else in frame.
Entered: 4:16
